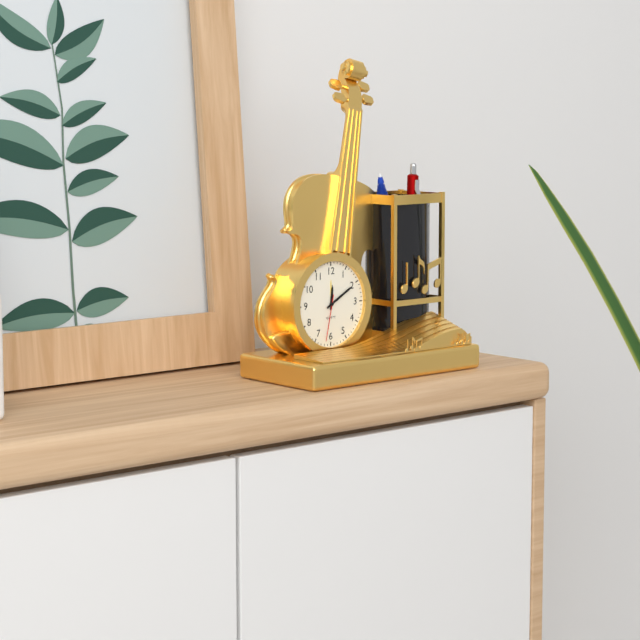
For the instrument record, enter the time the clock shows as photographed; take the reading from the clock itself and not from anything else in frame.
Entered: 12:10
